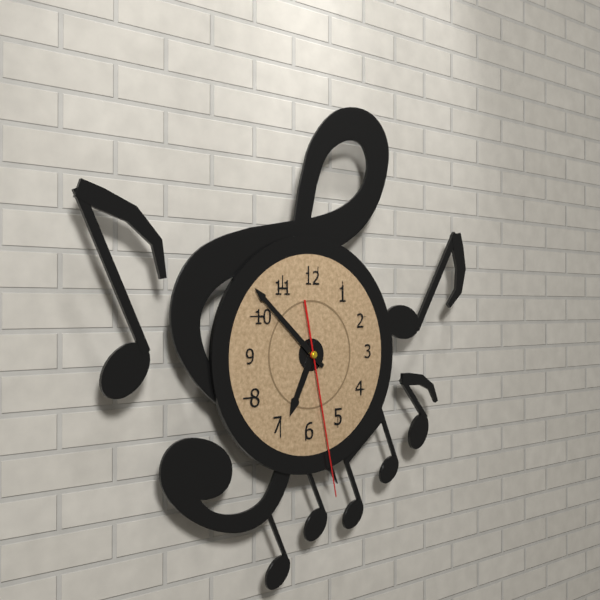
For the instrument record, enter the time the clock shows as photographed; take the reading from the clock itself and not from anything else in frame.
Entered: 6:52:28
